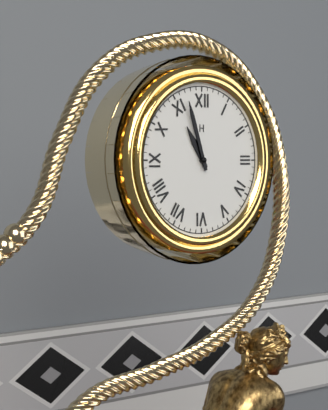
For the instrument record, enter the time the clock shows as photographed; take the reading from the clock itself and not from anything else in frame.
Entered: 10:57
